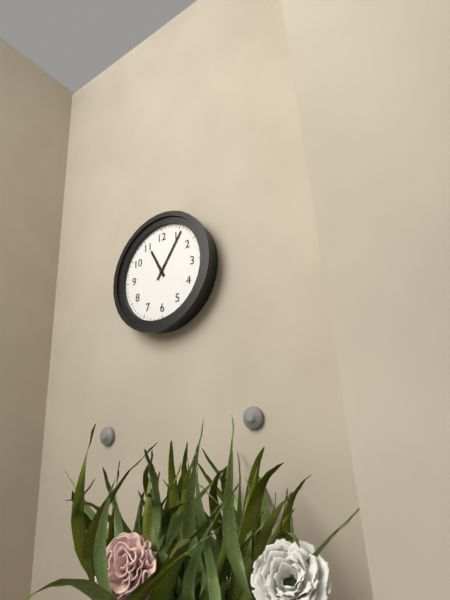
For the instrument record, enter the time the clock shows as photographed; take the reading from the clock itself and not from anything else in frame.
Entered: 11:06
